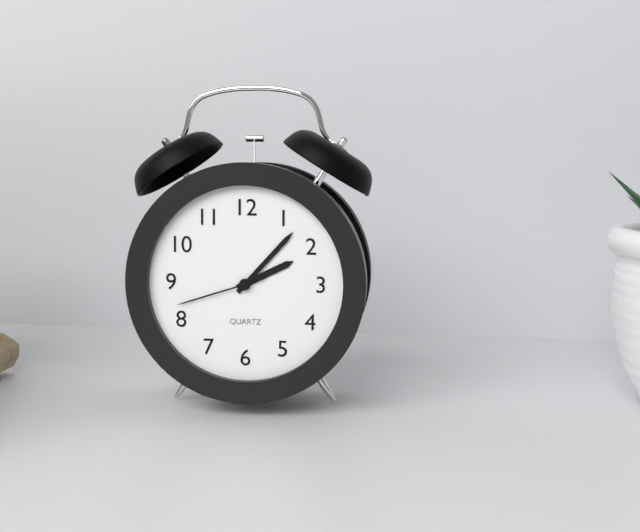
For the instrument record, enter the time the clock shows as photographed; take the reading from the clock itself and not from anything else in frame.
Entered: 2:07:42
